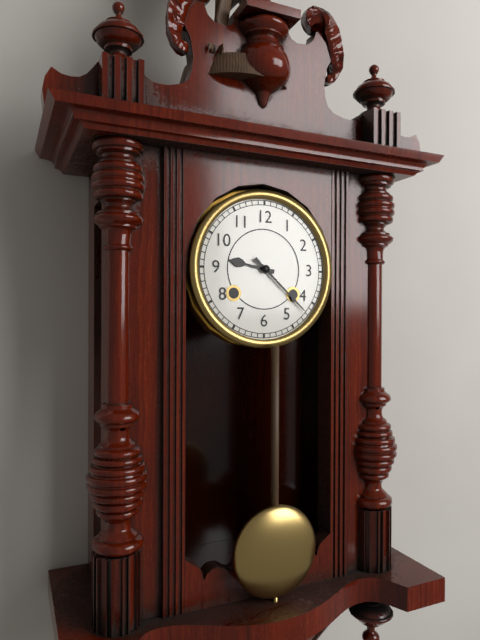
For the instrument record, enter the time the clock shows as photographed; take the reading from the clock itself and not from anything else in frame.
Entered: 9:22
